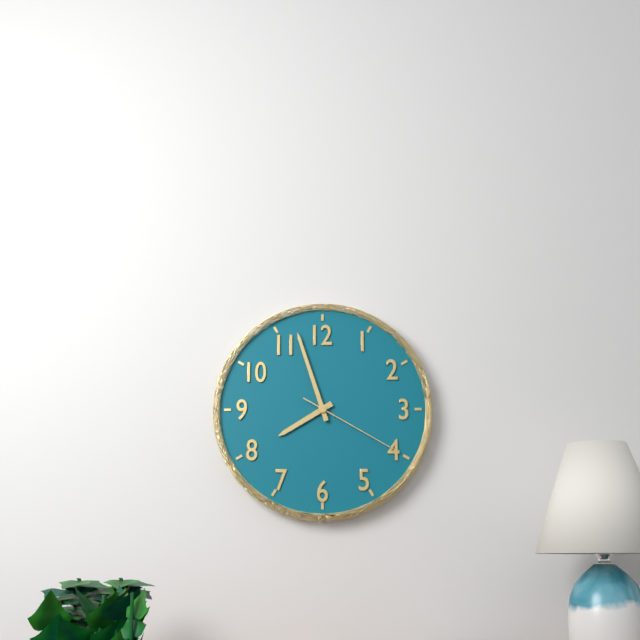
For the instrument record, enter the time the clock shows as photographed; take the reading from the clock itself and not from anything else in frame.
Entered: 7:57:20
